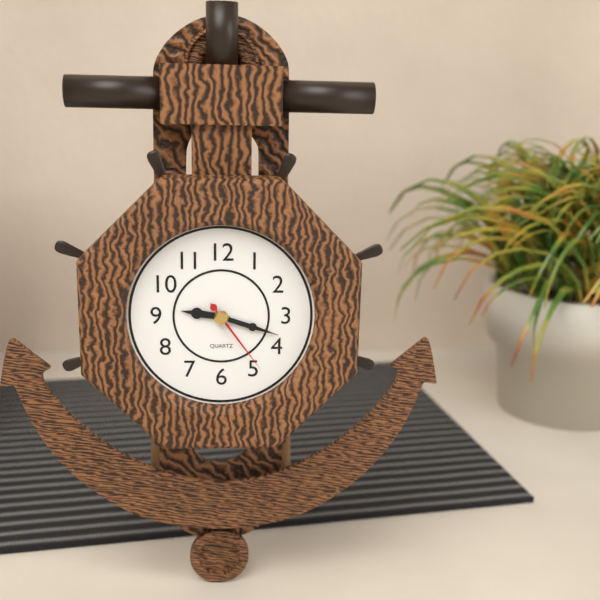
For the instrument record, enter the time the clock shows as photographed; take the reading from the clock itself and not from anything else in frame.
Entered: 9:18:24
